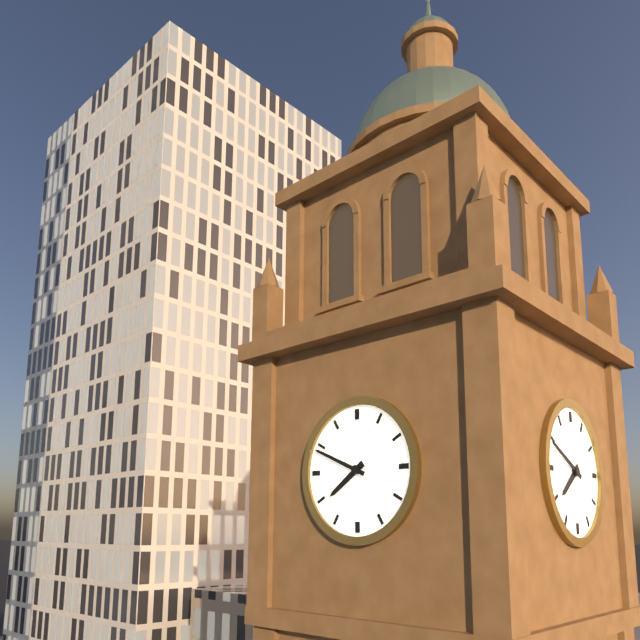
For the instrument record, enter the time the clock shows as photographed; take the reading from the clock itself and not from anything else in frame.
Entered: 7:49
